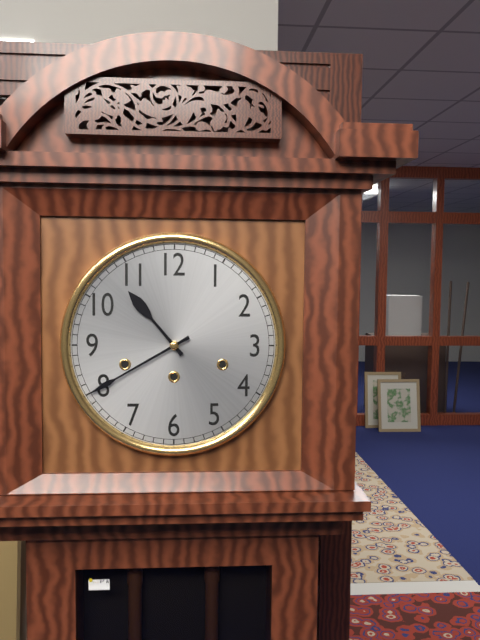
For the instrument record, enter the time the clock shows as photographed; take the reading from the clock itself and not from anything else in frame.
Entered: 10:40
